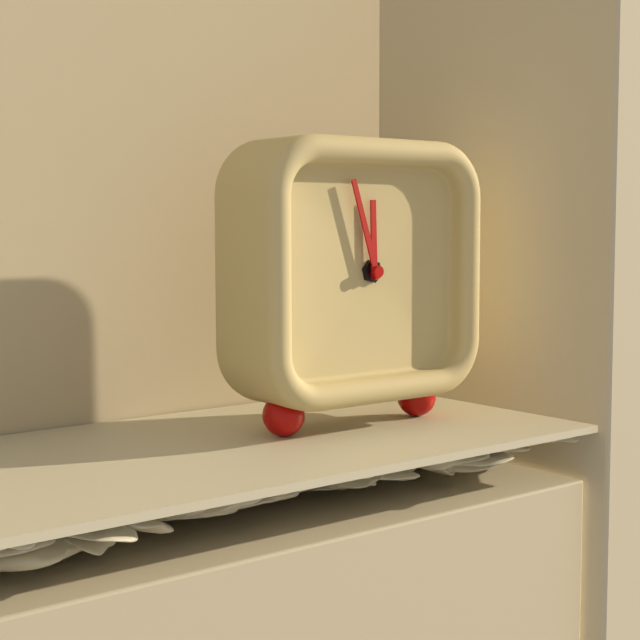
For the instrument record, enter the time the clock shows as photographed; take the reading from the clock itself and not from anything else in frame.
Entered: 11:57
